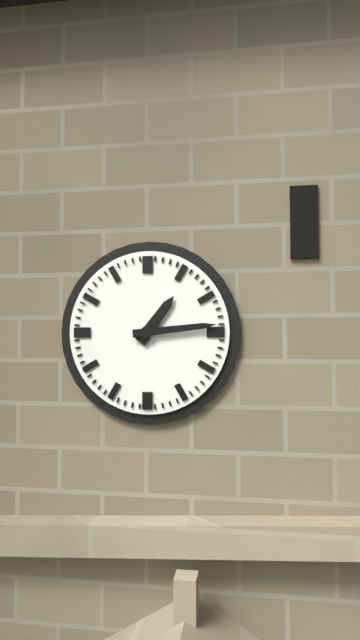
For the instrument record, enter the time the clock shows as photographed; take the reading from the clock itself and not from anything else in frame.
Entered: 1:14
